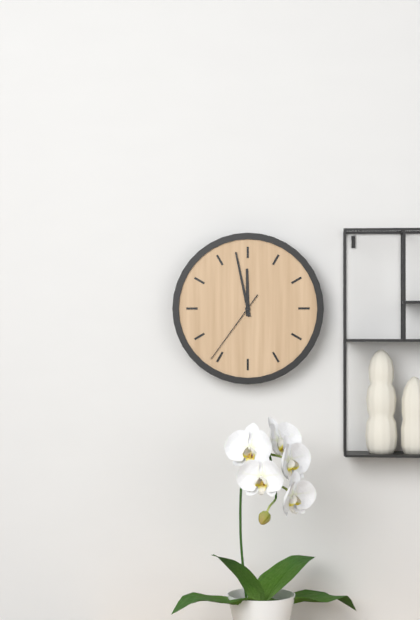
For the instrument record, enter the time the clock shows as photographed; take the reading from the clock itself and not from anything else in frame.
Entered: 11:58:36
